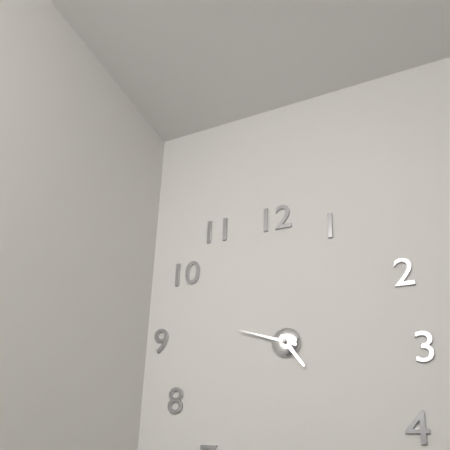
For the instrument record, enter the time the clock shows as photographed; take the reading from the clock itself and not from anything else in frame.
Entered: 4:48
